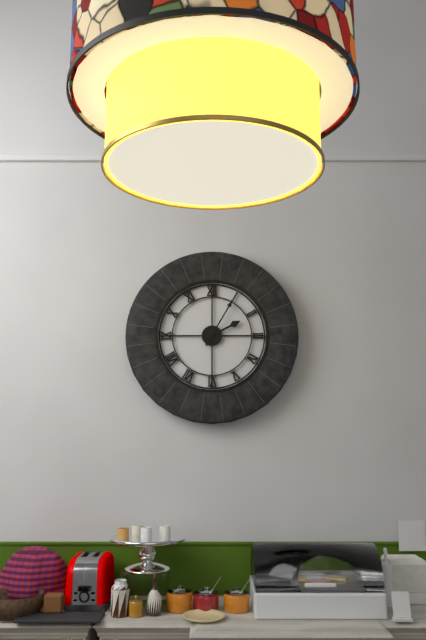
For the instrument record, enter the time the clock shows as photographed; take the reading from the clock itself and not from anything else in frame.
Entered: 2:05
